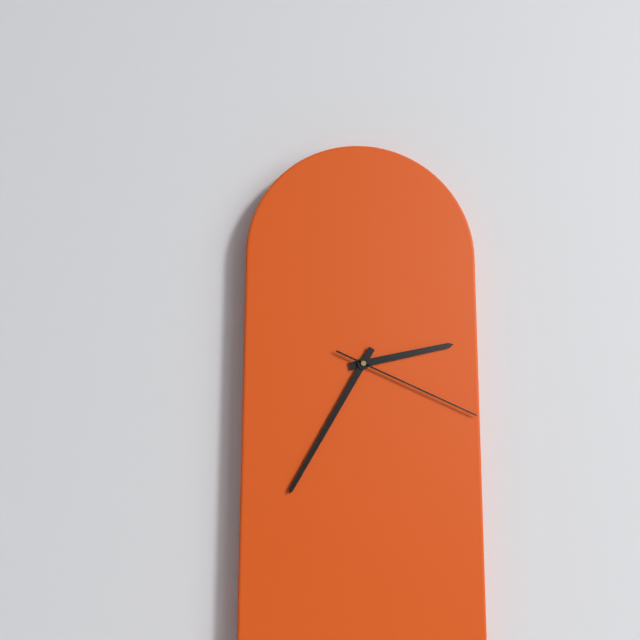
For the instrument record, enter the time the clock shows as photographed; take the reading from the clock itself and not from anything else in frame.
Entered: 2:35:19
